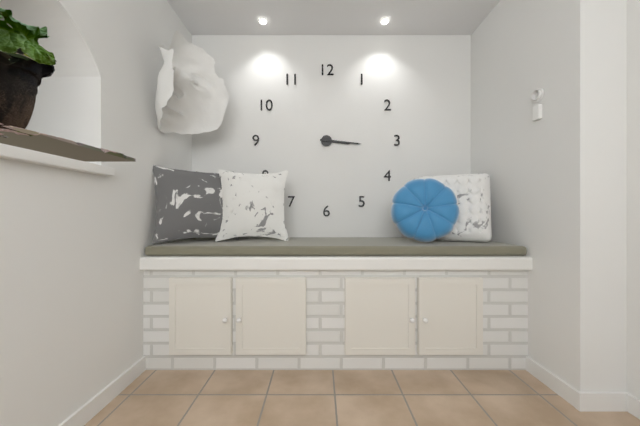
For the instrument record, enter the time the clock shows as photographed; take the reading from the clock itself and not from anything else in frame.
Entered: 3:16
